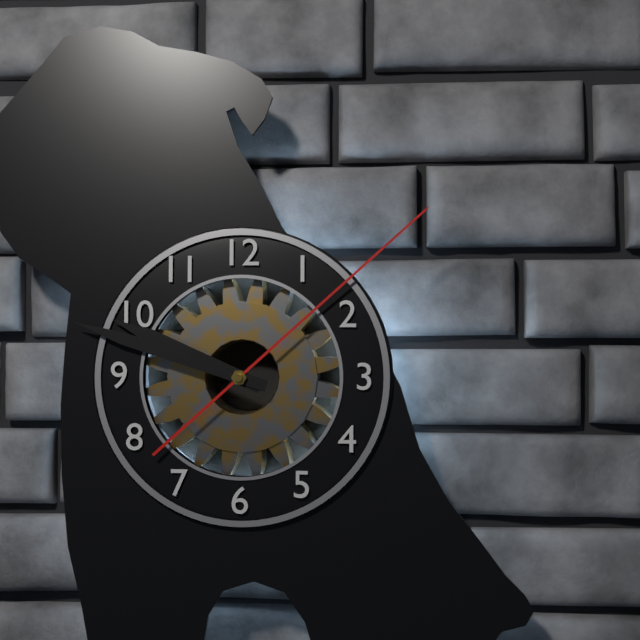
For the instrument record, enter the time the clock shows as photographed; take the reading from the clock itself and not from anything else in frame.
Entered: 9:48:08
